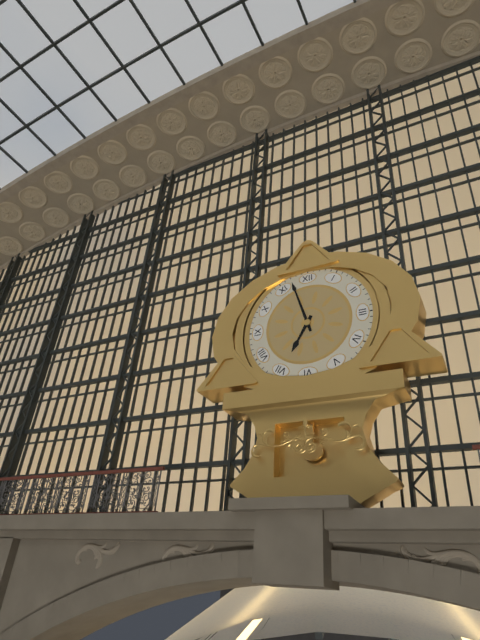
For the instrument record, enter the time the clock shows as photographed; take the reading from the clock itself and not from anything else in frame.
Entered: 6:57
